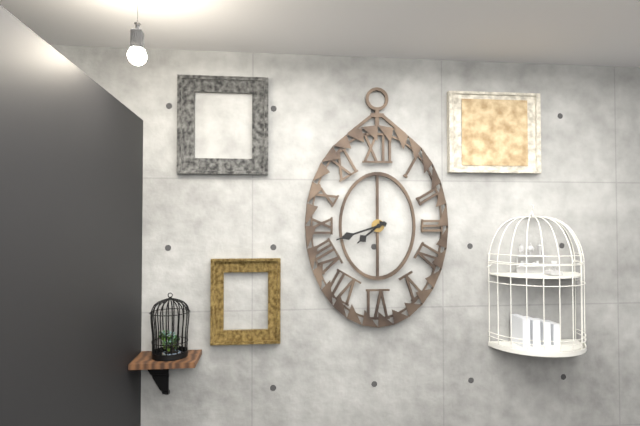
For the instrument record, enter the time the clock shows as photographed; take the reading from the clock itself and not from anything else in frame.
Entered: 7:42
